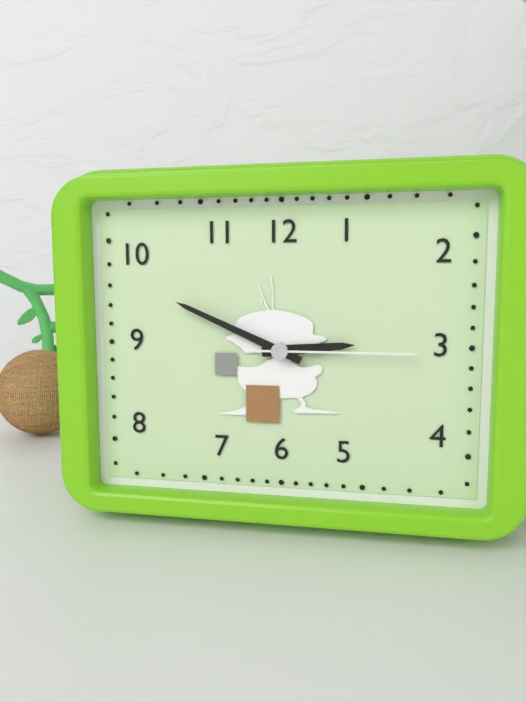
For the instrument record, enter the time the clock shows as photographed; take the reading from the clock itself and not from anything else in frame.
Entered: 2:49:15
